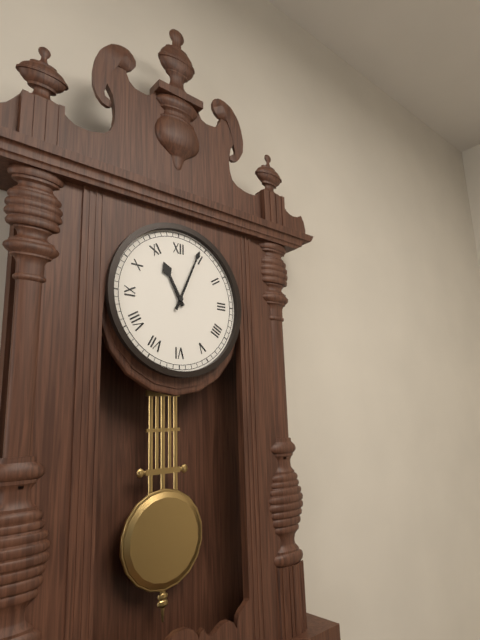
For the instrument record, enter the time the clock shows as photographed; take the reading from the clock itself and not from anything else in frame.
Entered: 11:04
